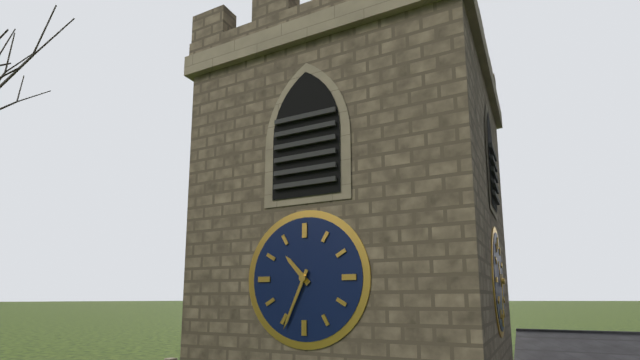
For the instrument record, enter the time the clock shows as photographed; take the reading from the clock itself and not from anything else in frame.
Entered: 10:34
